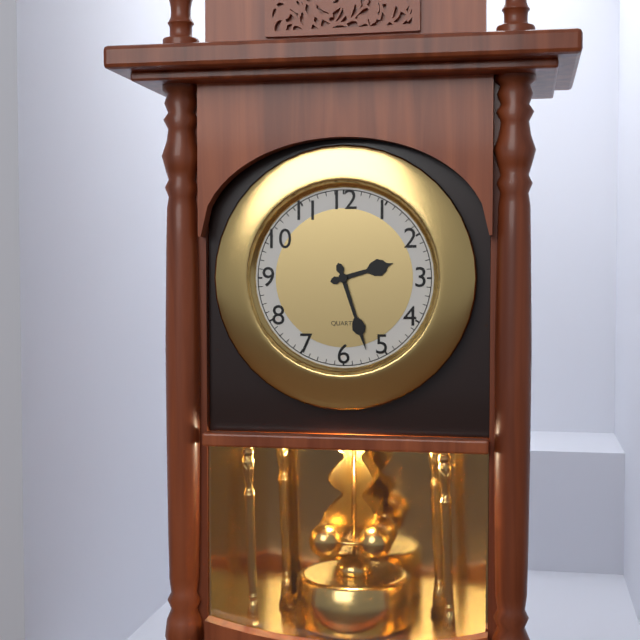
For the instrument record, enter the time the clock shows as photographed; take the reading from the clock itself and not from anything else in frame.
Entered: 2:27
